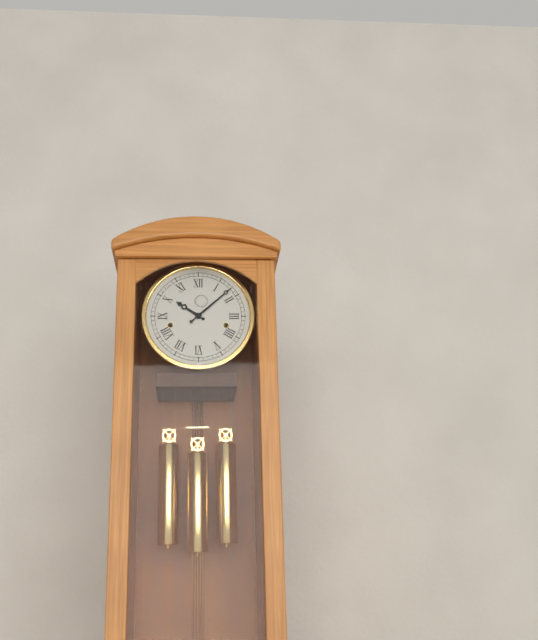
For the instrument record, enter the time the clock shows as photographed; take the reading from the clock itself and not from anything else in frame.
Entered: 10:08
